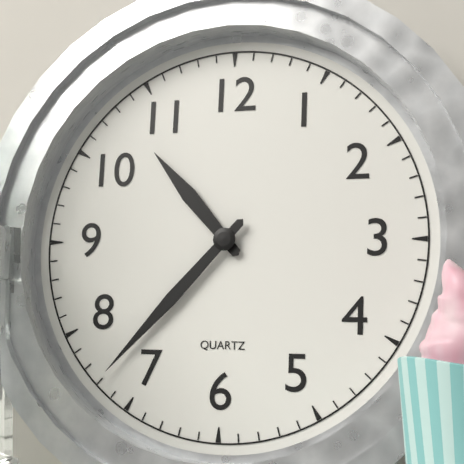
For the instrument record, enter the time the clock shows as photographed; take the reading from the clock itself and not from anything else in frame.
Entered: 10:37
